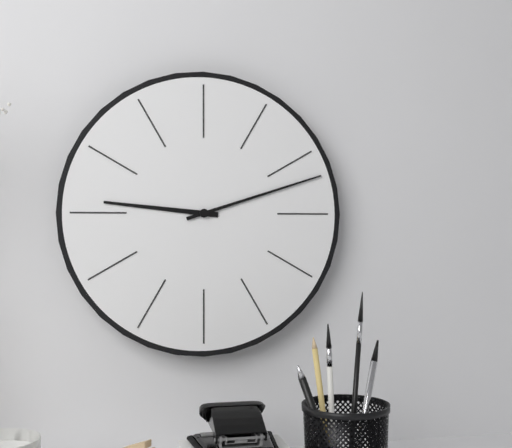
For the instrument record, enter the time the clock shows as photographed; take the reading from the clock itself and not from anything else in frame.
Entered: 9:12
